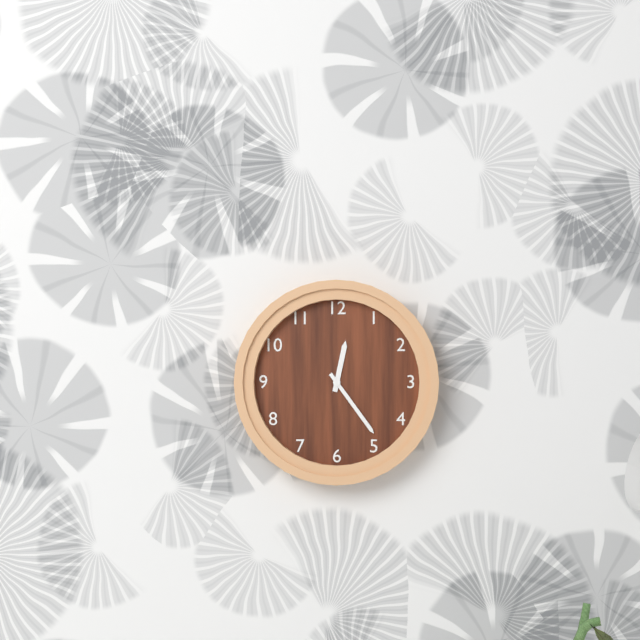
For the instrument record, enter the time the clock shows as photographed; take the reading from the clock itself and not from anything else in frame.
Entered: 12:24
